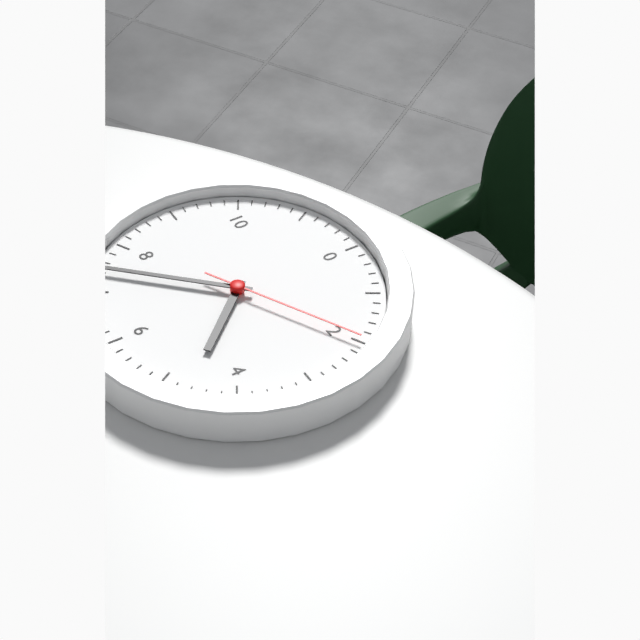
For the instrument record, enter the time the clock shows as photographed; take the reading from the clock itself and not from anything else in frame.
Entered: 4:37:10
